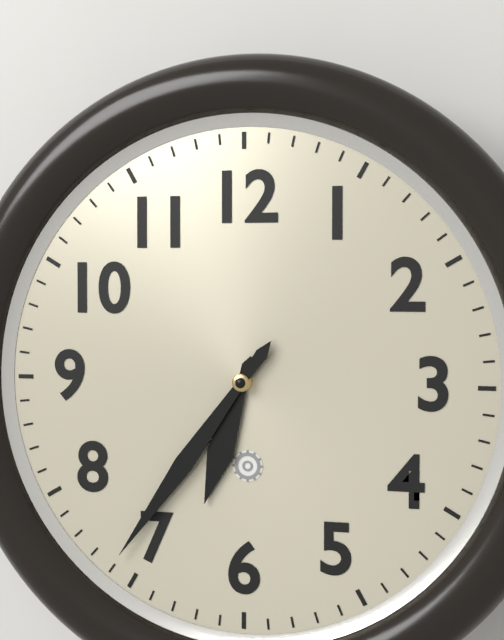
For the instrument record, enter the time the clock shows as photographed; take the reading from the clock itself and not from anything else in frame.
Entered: 6:36
